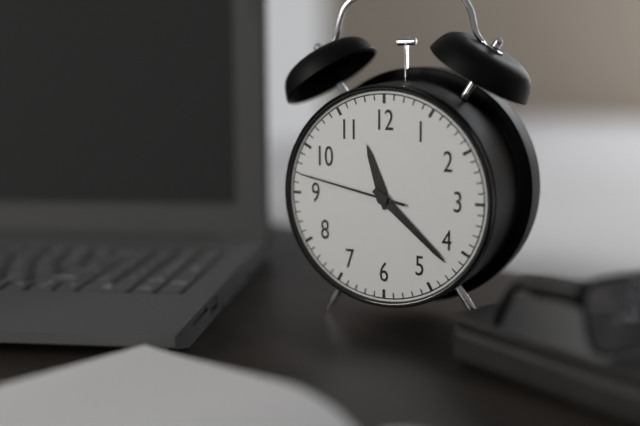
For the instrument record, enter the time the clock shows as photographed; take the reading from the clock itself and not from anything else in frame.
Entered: 11:22:47
